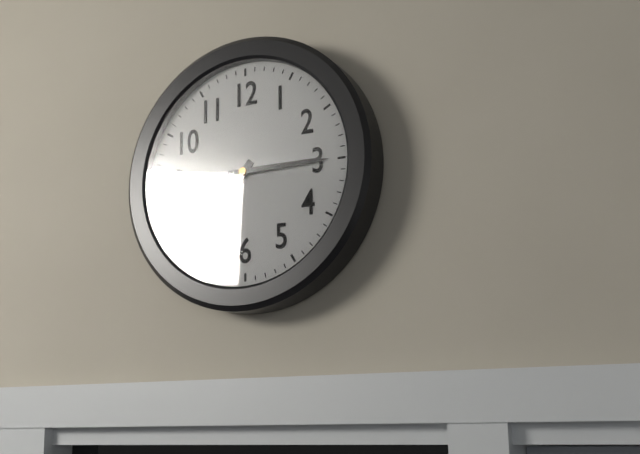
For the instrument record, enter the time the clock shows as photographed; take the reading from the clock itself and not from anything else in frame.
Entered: 7:15
